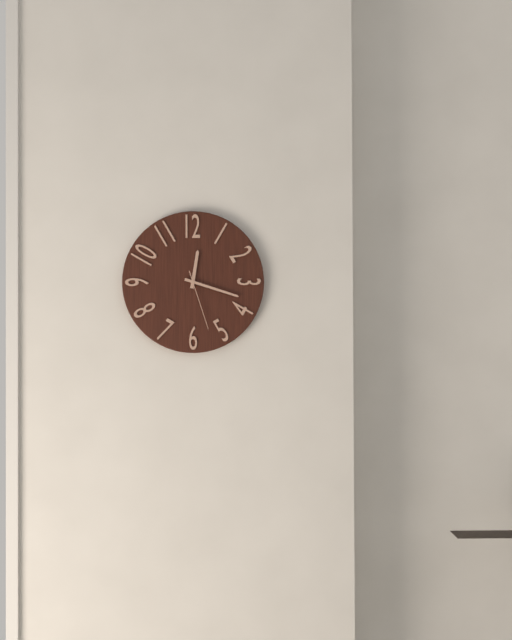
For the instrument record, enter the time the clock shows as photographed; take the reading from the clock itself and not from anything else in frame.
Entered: 12:18:27
